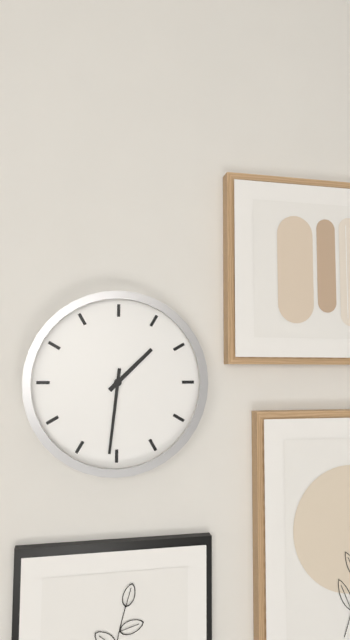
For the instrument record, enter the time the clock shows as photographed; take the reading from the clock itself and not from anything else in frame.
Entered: 1:31
